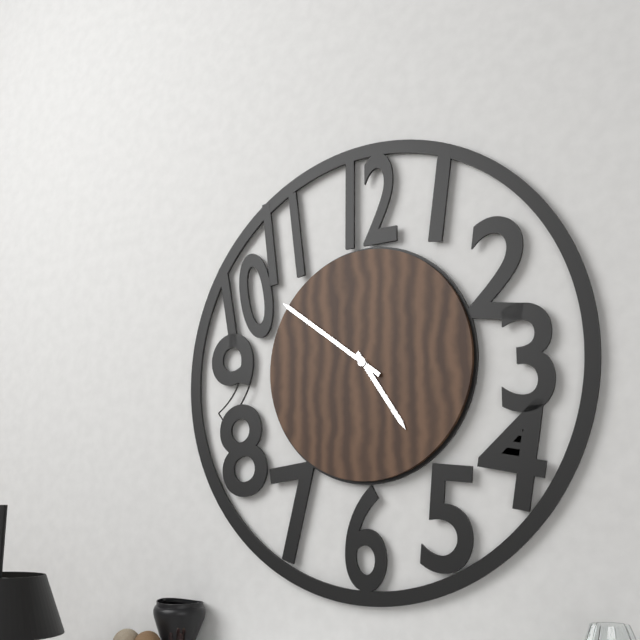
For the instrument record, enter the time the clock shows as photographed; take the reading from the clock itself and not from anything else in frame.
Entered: 4:51
